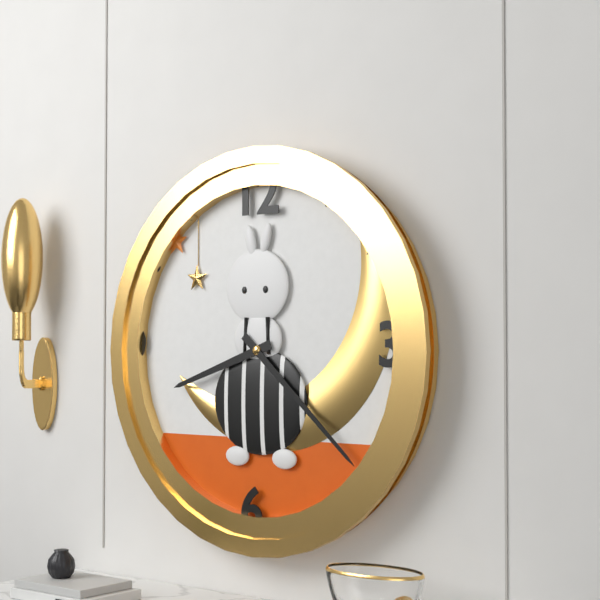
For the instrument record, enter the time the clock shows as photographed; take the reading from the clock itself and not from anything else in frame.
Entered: 8:22
